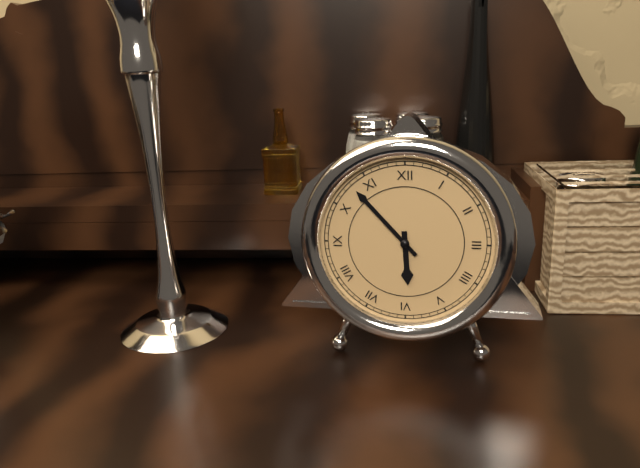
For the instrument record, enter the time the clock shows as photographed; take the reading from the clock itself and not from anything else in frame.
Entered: 5:53
